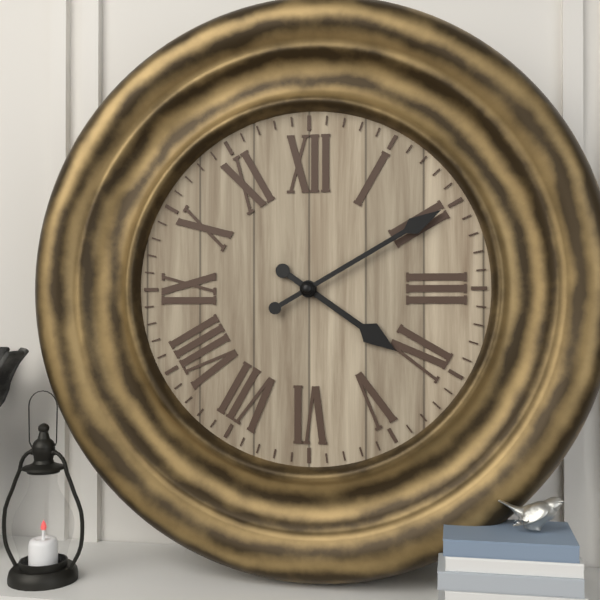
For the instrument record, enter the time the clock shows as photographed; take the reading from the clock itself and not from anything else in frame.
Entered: 4:10
